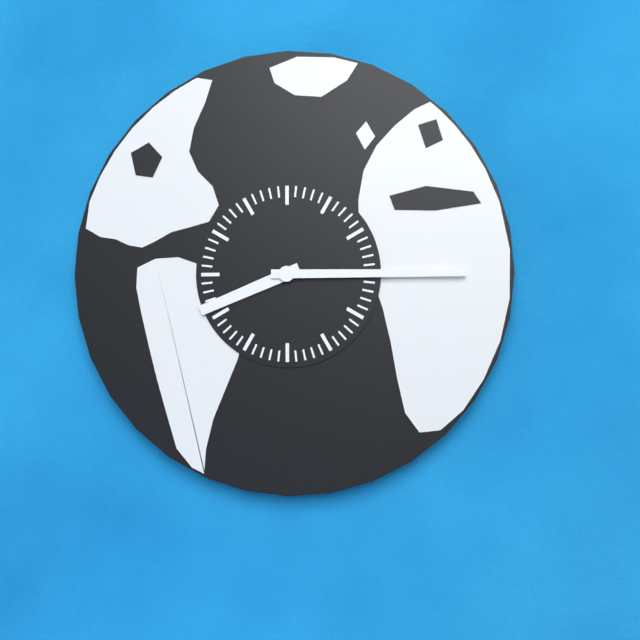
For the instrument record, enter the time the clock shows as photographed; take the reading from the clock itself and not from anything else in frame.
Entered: 8:15
